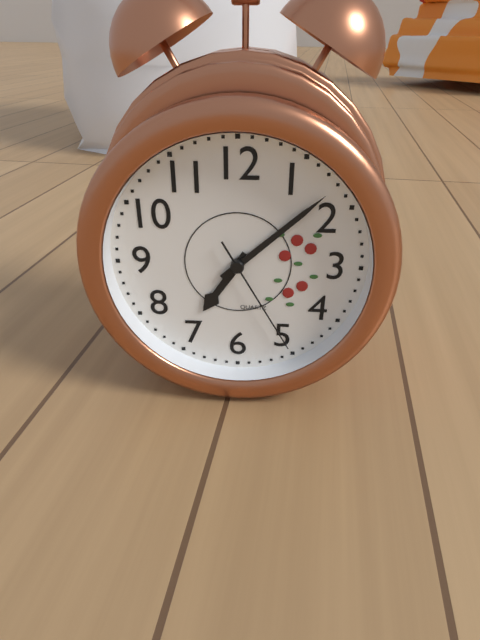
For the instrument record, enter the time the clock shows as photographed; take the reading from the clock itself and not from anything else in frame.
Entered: 7:08:25
